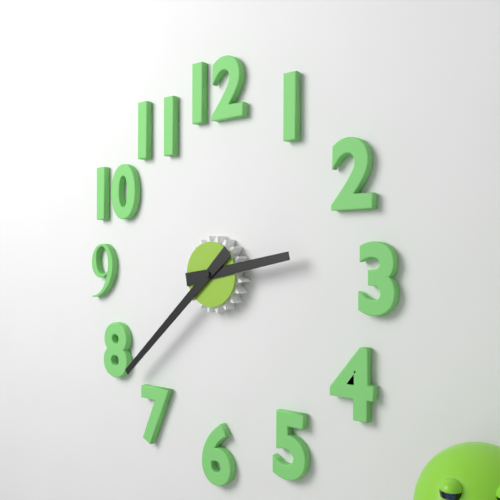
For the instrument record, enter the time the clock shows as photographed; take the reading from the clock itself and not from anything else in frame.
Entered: 2:38
